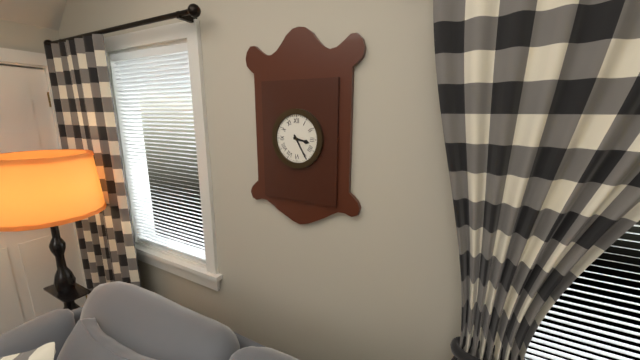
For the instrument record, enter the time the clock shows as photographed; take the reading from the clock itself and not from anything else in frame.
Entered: 3:25
